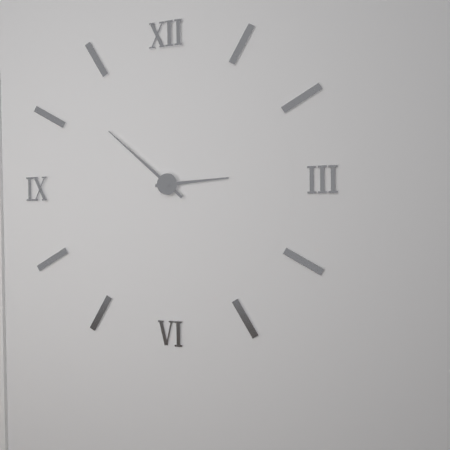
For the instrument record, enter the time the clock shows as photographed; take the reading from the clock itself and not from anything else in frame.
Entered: 2:52
